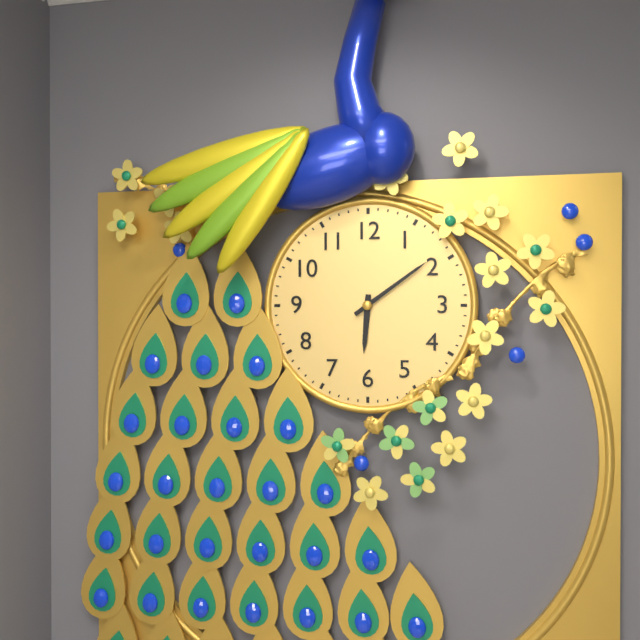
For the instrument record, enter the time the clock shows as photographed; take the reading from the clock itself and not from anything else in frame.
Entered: 6:09
